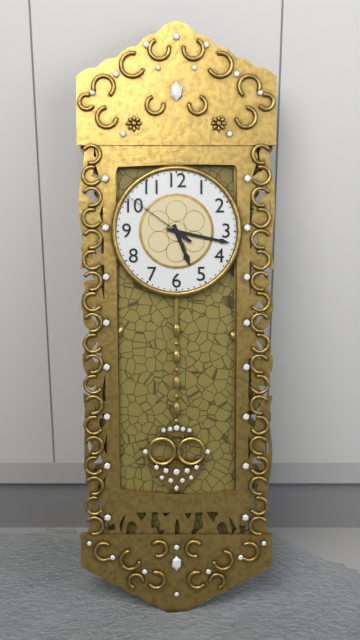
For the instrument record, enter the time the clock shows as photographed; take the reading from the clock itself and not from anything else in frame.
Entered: 5:17:51
